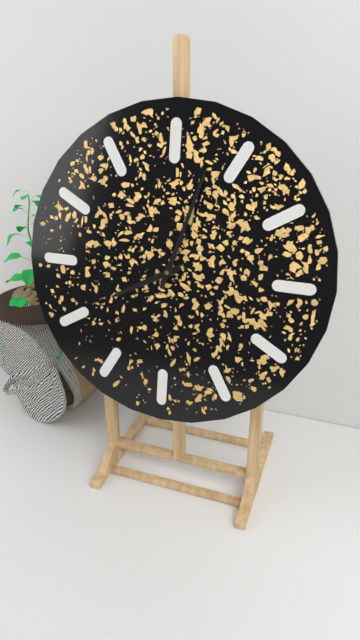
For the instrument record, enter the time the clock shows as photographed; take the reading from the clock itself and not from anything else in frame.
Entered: 8:03
